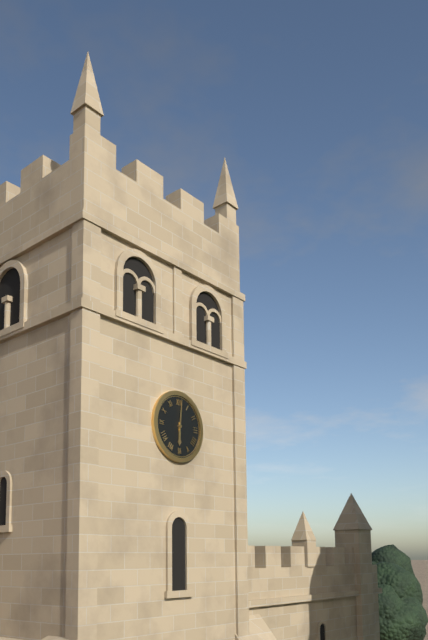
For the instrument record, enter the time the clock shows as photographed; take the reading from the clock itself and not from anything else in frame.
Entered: 6:01
